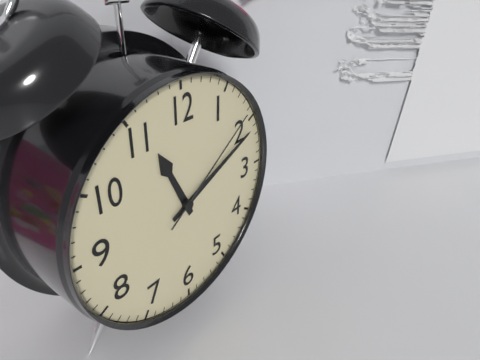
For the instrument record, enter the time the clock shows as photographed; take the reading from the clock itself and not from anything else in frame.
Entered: 11:11:09
